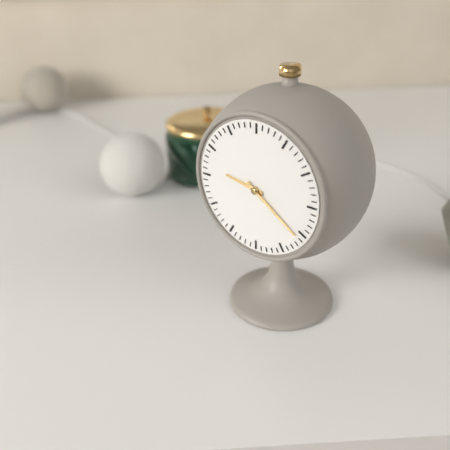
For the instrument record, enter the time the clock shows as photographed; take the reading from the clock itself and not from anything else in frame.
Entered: 9:21
